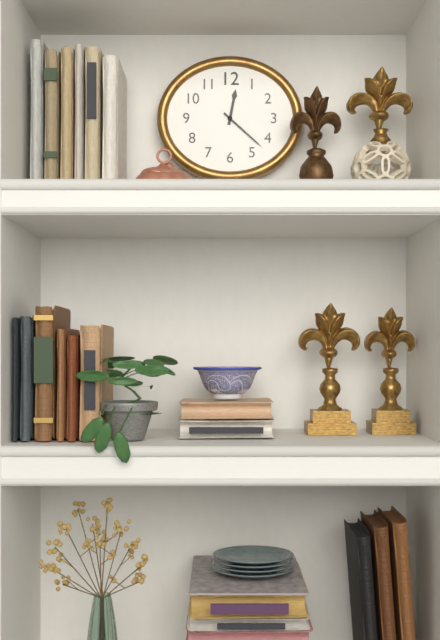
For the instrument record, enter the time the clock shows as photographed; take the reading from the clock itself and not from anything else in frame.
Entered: 12:22
